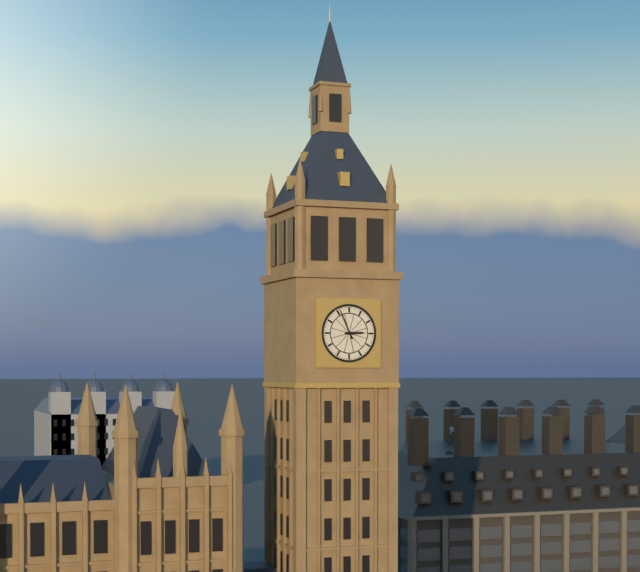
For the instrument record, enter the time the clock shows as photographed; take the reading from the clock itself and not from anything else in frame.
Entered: 2:56
